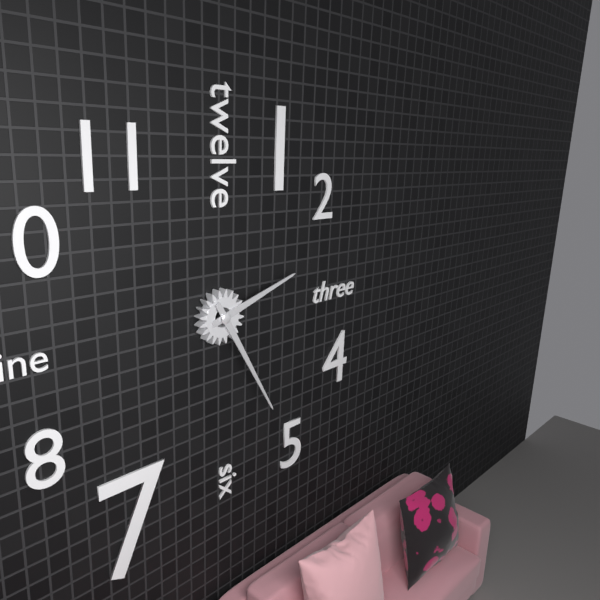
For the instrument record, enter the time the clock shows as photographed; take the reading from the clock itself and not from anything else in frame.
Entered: 2:25
